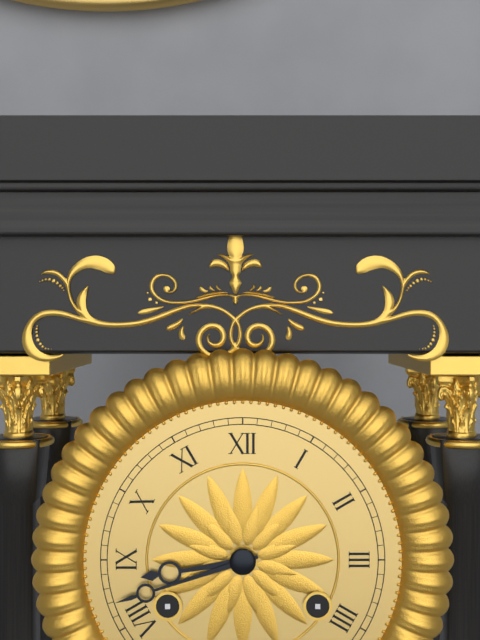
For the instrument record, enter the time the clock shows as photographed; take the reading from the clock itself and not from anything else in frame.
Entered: 8:42
